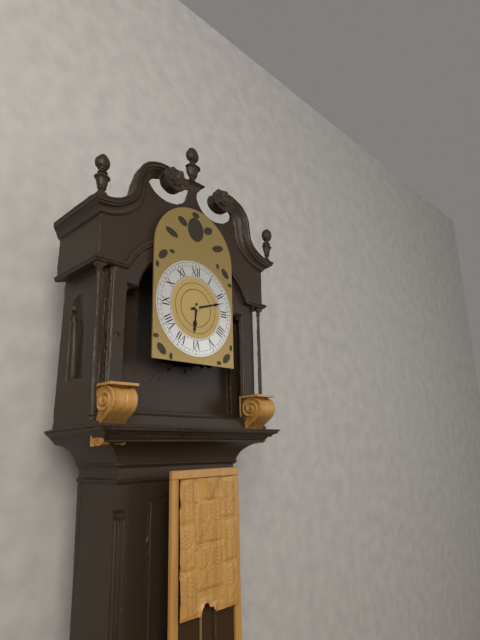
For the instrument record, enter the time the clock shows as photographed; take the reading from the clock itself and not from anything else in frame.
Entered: 6:12
